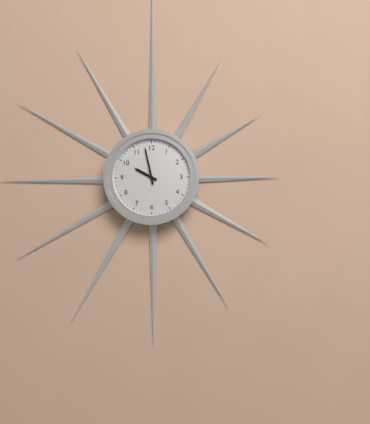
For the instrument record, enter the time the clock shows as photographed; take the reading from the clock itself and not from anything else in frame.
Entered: 9:58
